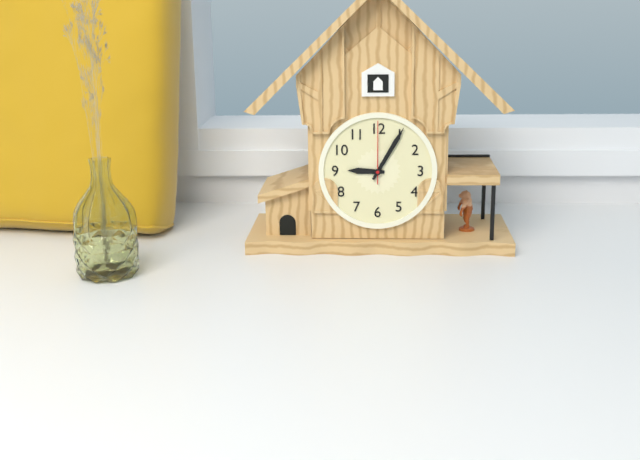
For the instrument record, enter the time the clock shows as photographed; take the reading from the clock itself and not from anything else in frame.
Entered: 9:05:00
